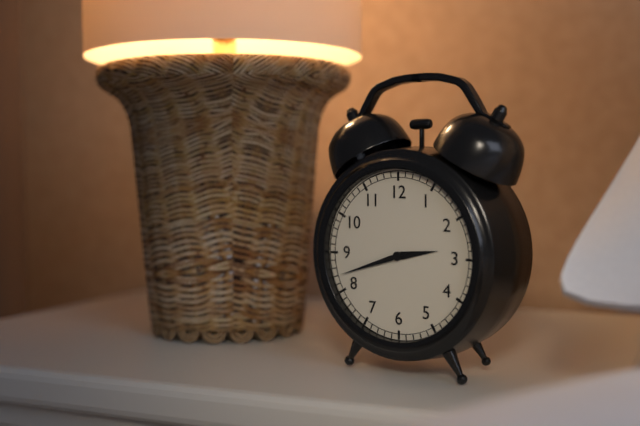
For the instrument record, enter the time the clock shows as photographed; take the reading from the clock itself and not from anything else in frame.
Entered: 2:42
